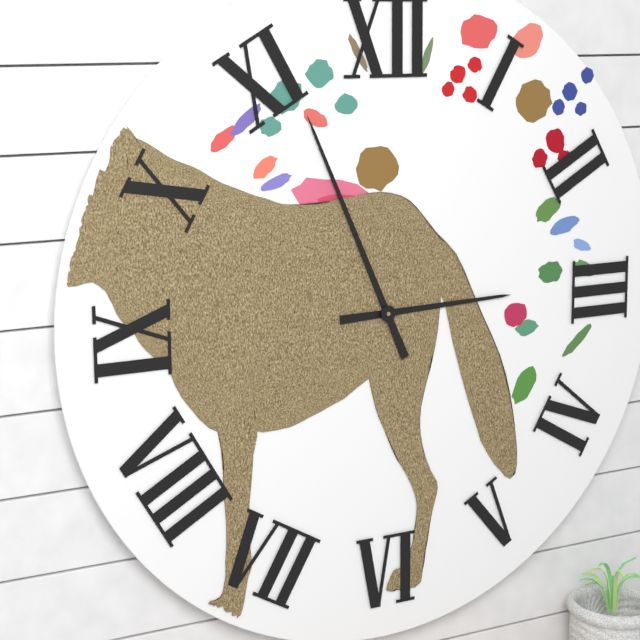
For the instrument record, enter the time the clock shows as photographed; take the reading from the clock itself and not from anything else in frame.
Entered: 2:56
